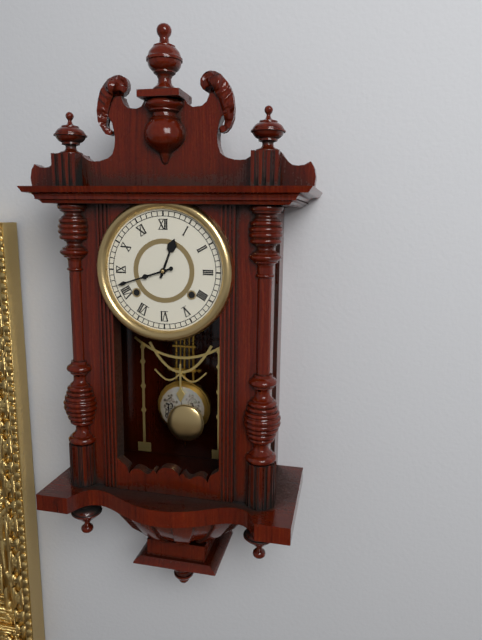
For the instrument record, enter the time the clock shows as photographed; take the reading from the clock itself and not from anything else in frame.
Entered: 12:42
